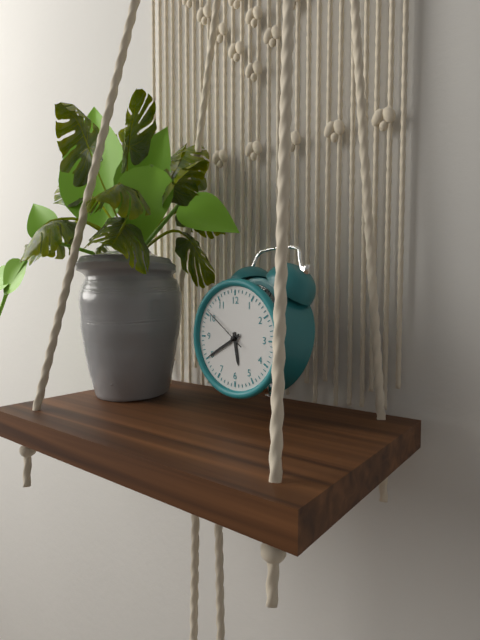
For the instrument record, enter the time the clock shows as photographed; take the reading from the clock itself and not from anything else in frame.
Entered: 5:40
